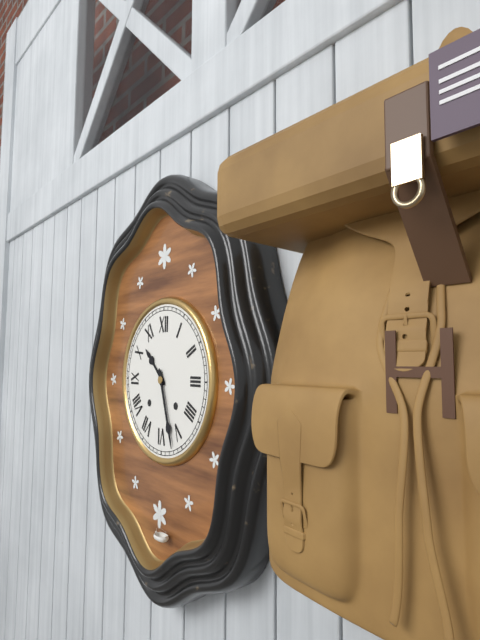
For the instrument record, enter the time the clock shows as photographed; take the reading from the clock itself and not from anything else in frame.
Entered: 10:27
